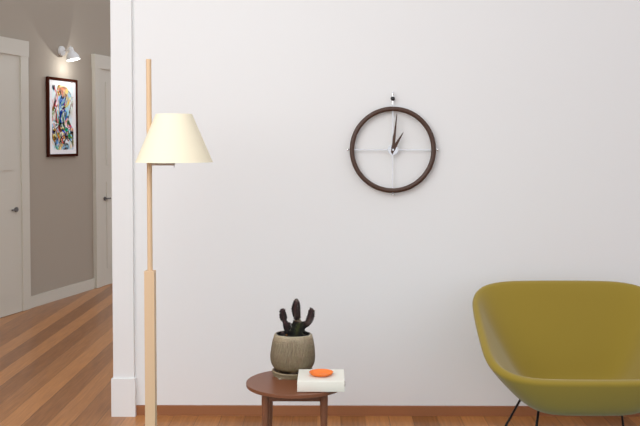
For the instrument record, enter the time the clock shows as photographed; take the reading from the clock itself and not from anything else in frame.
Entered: 1:01
